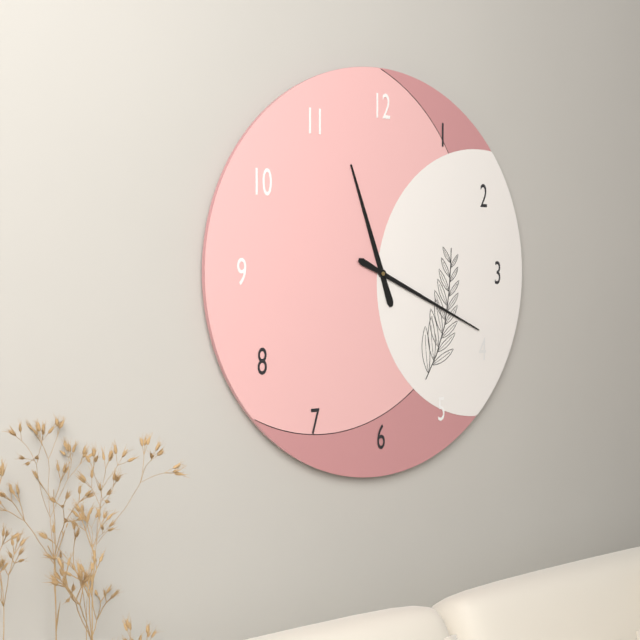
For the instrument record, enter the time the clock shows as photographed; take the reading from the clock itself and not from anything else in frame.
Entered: 11:19
